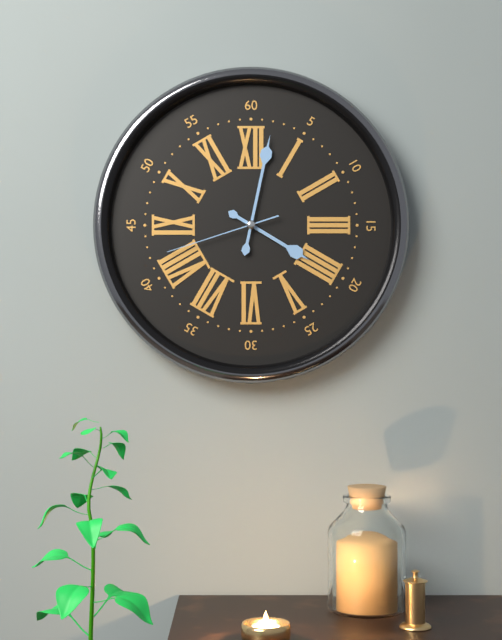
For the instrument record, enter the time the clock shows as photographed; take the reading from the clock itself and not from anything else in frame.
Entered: 4:02:42
